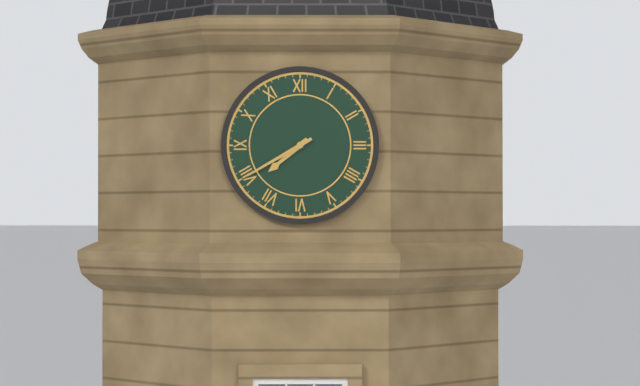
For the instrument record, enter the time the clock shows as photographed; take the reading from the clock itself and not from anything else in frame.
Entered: 7:40
